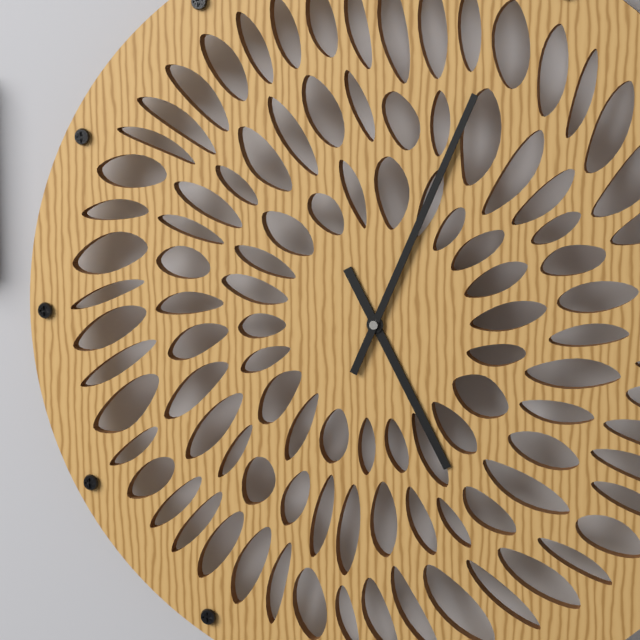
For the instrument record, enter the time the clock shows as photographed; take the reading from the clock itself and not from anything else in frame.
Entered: 5:04
